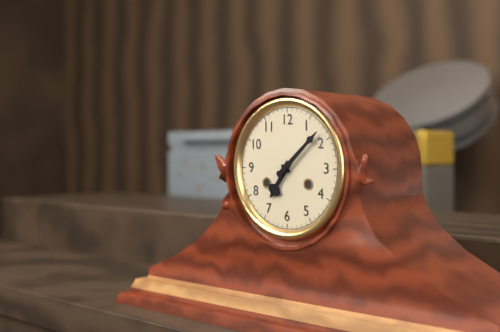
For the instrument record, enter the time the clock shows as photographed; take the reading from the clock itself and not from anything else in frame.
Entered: 7:08
